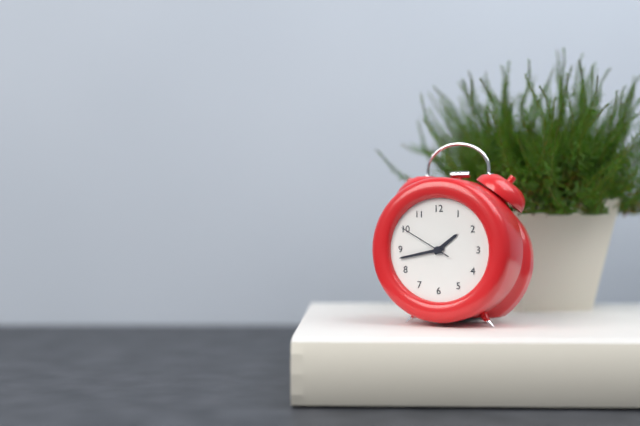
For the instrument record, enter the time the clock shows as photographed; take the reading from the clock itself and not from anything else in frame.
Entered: 1:43:50
